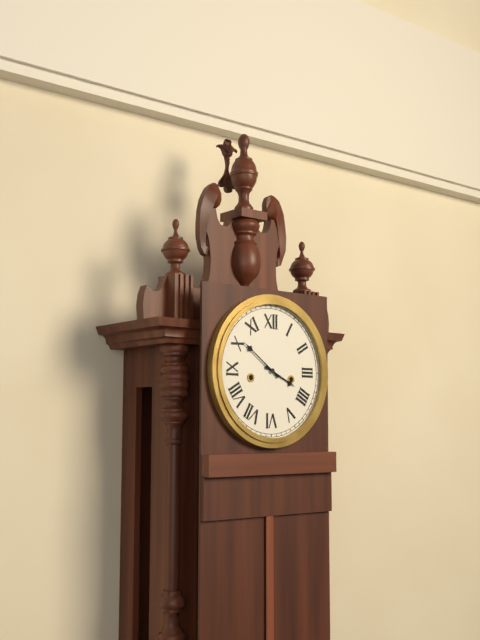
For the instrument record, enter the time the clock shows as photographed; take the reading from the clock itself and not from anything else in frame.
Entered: 3:51
